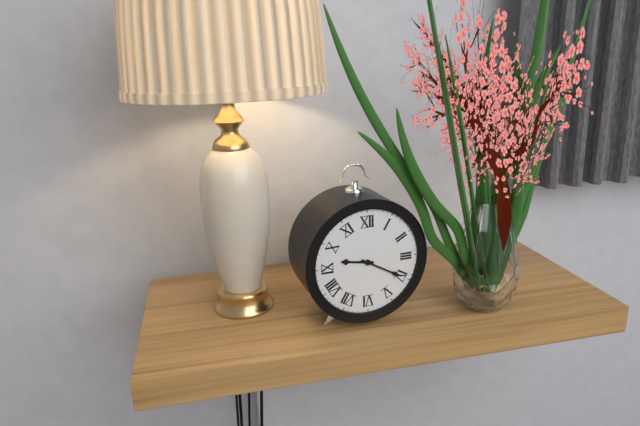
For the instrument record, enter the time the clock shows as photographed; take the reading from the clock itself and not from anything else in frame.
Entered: 9:20
